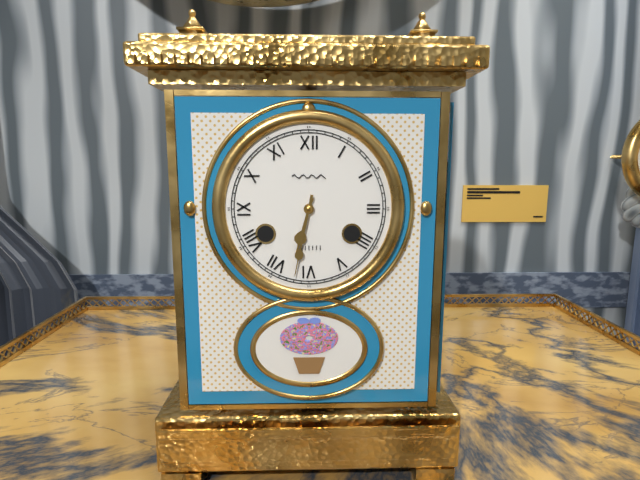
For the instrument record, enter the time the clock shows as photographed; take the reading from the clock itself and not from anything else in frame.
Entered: 6:32
